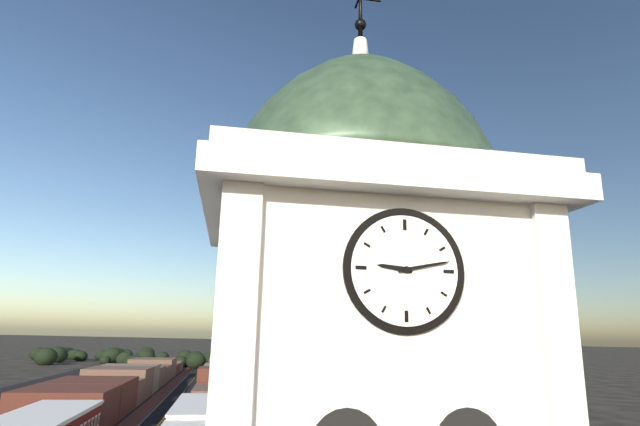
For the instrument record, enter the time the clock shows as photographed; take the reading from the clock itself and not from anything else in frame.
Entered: 9:13
